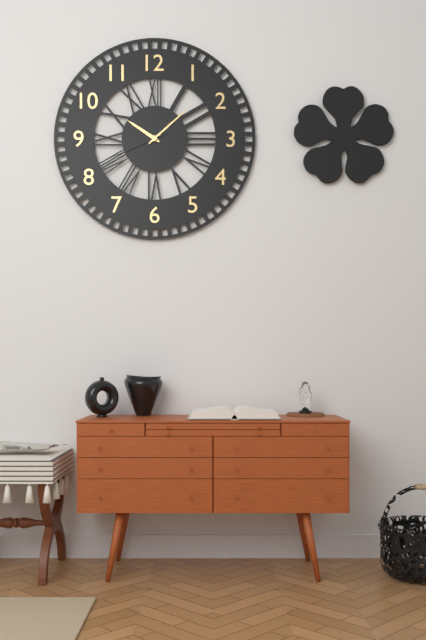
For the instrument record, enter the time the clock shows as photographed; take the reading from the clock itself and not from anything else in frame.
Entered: 10:08:41
